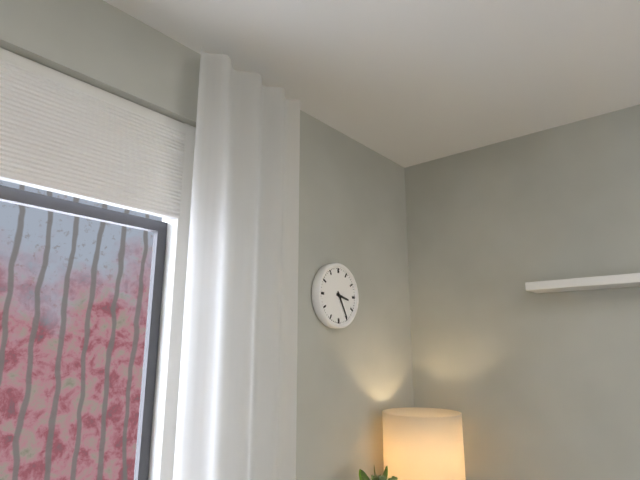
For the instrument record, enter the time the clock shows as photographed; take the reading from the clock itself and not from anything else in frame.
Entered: 3:25
